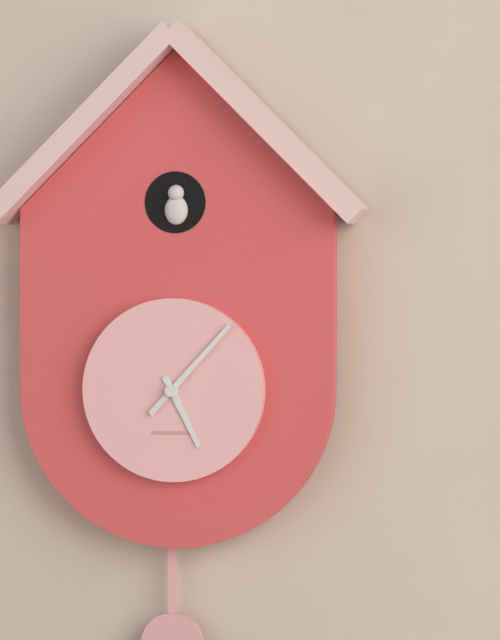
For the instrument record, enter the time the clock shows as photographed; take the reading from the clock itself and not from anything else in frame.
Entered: 5:07
